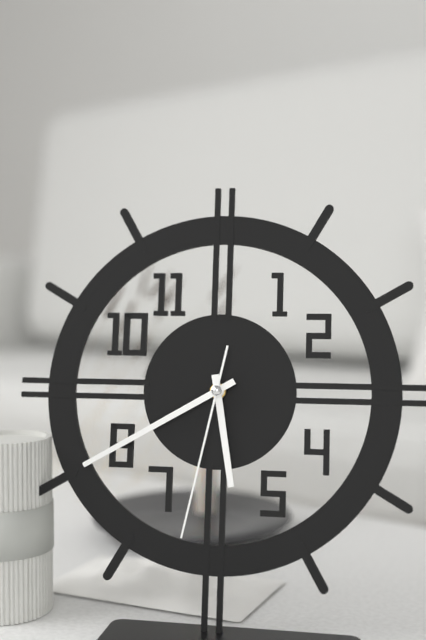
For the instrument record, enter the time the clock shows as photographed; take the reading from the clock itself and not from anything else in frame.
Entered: 5:40:32
